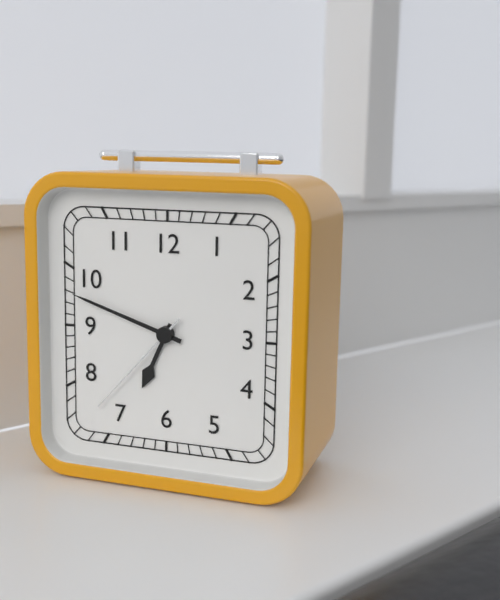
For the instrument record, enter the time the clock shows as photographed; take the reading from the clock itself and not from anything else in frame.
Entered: 6:48:37
